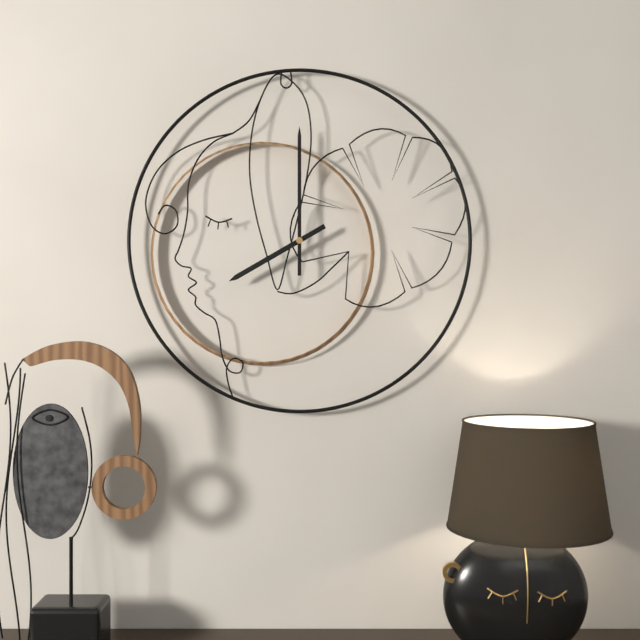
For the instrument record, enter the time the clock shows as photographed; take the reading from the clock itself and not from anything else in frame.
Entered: 8:00
